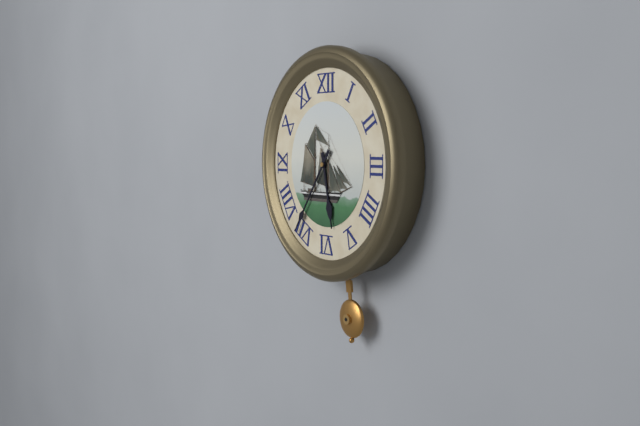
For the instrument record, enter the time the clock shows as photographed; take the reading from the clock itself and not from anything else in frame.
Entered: 5:36
